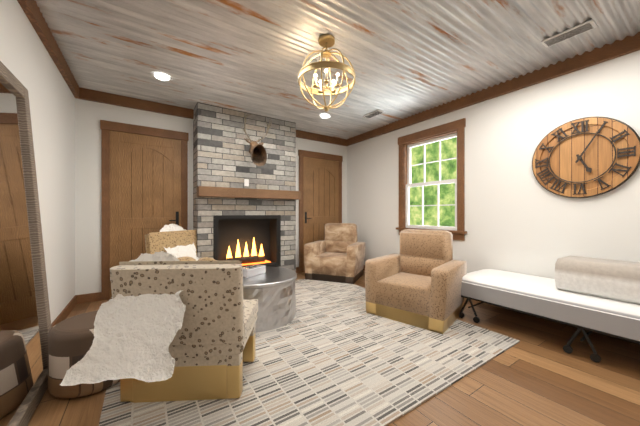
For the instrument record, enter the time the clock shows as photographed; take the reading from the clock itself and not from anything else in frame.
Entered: 5:05
